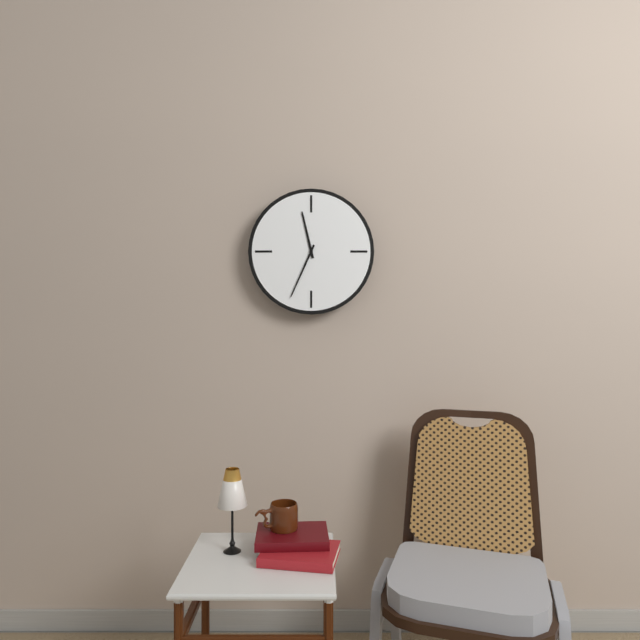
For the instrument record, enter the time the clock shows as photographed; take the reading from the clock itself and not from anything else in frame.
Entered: 11:34
